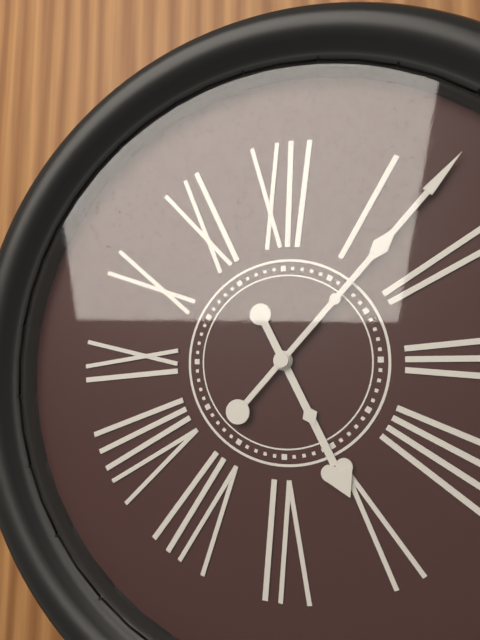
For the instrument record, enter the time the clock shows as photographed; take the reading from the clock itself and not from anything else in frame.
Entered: 5:07
